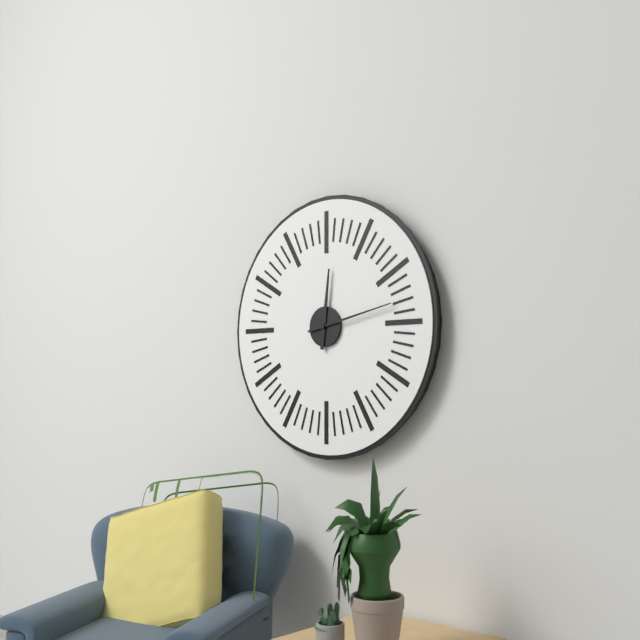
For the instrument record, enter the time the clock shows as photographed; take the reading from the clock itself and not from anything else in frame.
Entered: 12:13
